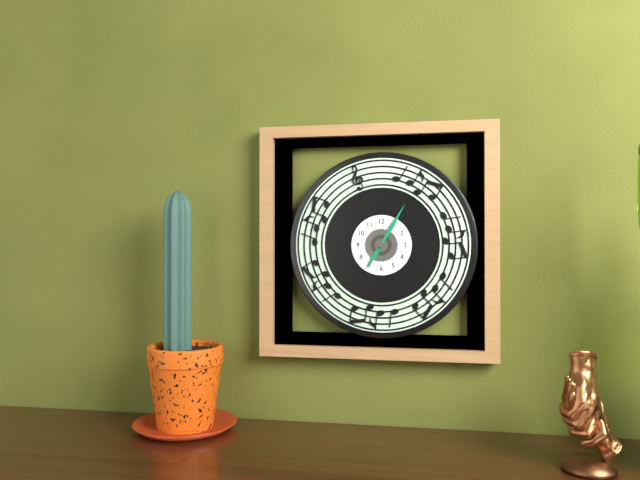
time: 7:05
